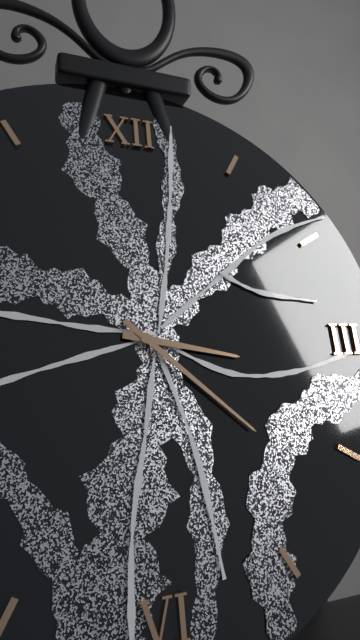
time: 3:22
